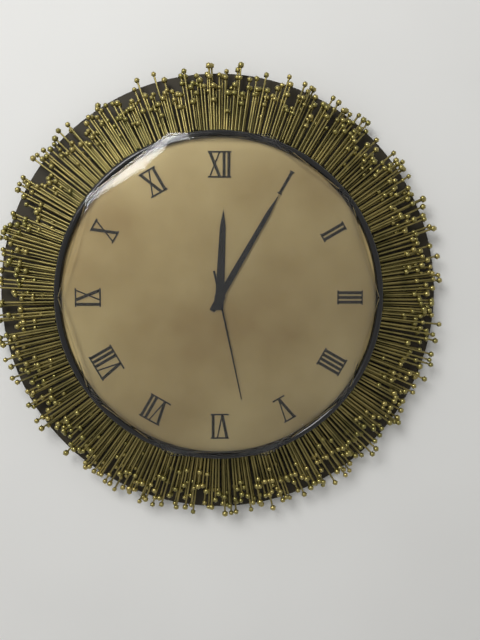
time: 12:05:28
